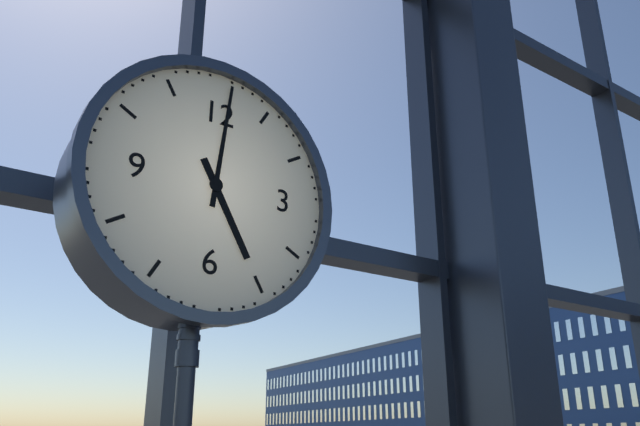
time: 5:01
